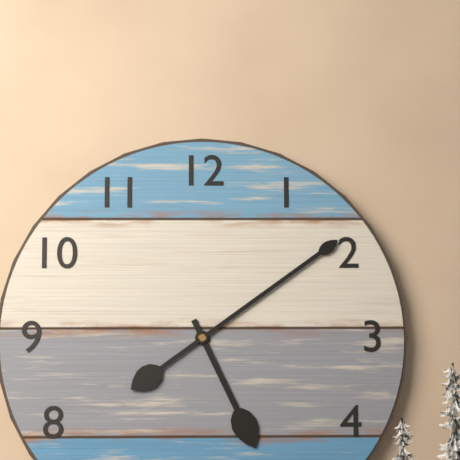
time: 5:09
